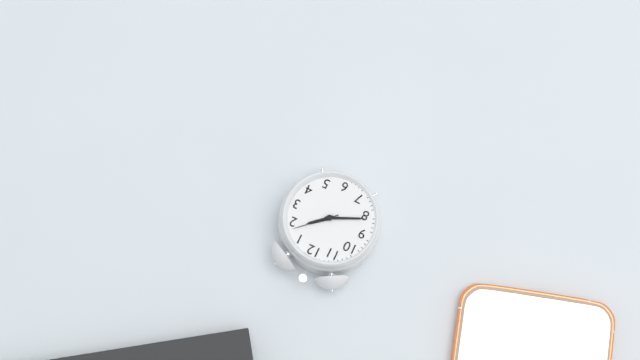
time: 1:41
